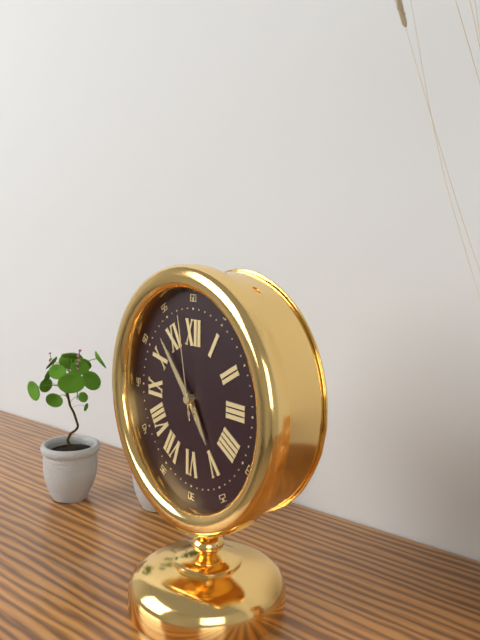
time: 4:53:58
